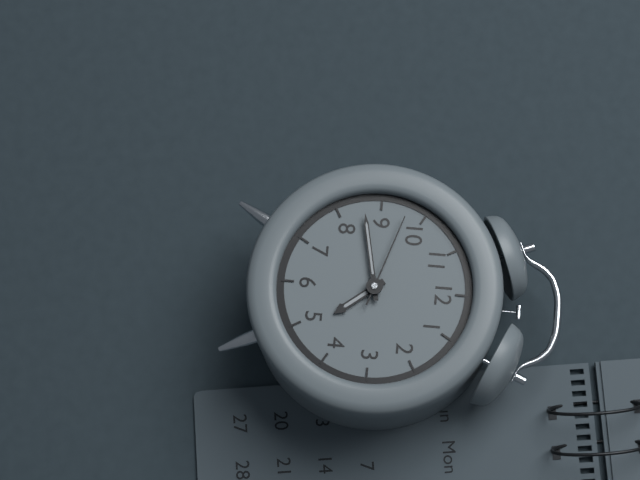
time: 4:43:48
